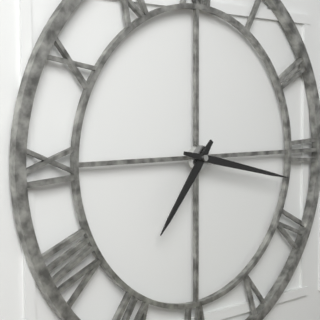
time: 7:17
